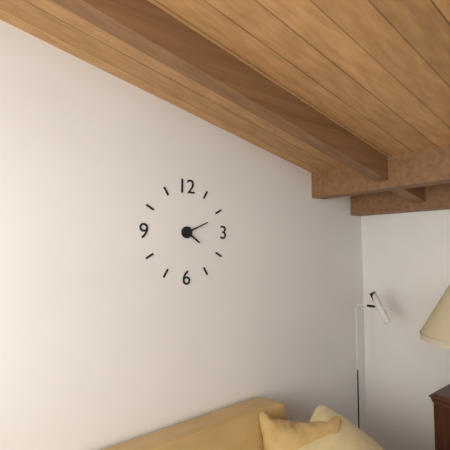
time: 4:11
